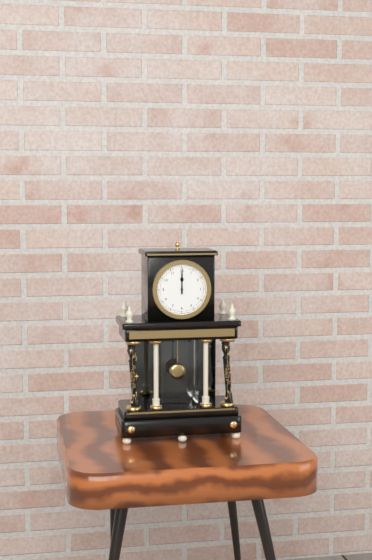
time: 12:00
